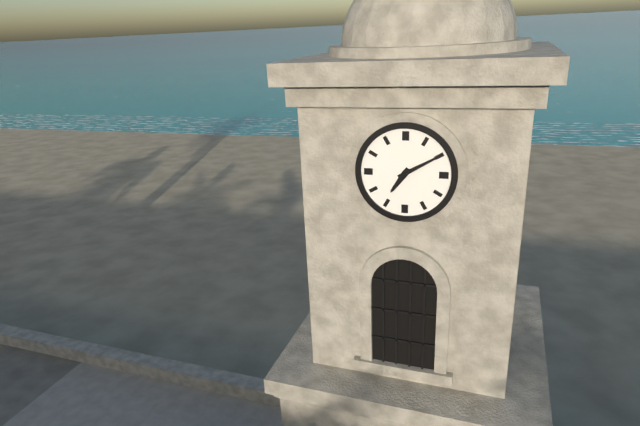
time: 7:10
